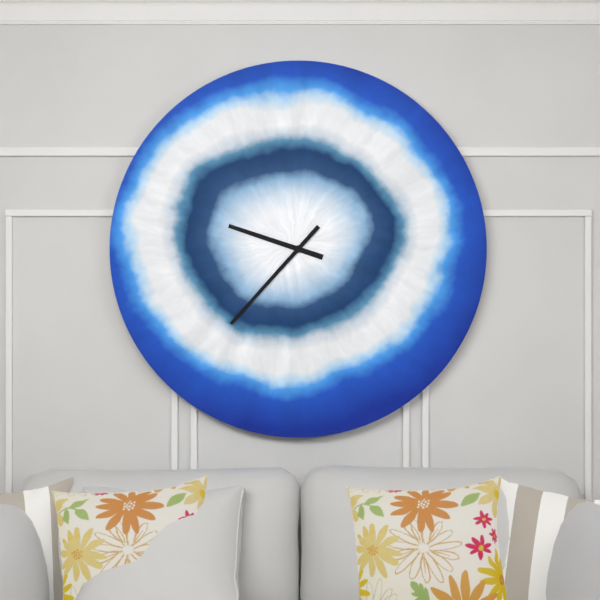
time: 9:37
